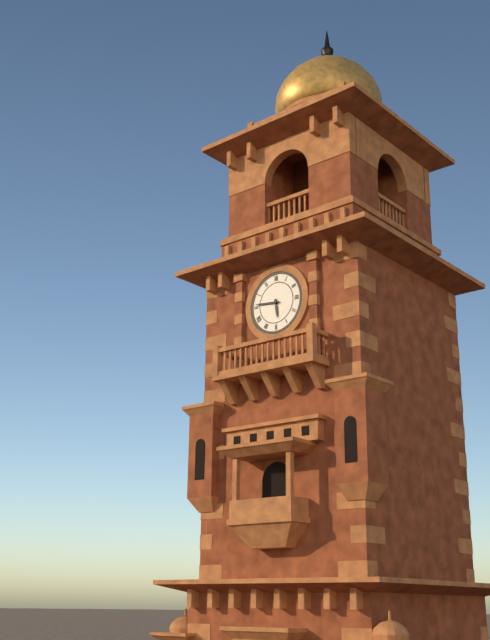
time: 5:46
